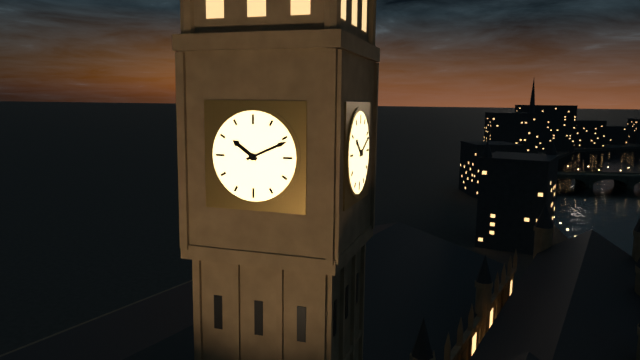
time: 10:11
